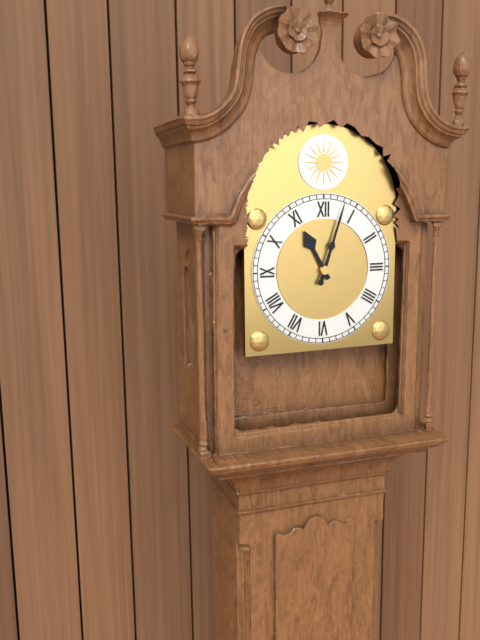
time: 11:03
